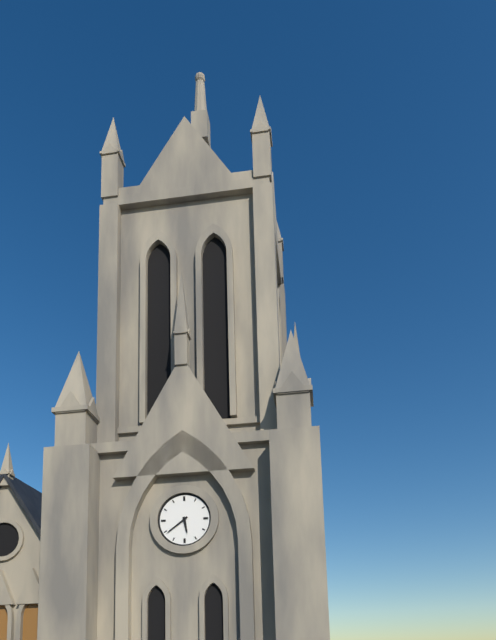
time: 5:39
